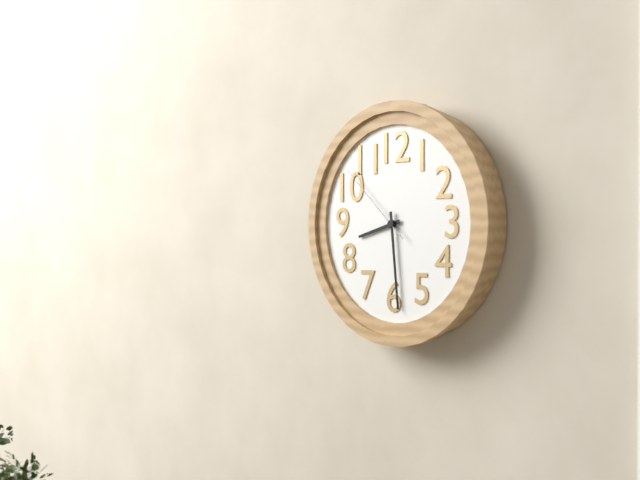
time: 8:29:52
